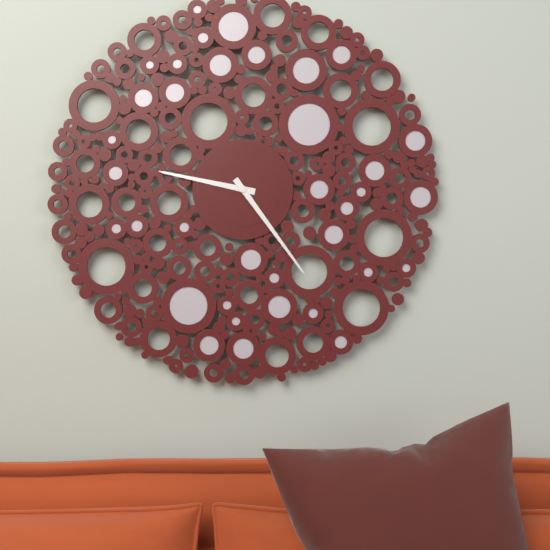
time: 9:24
